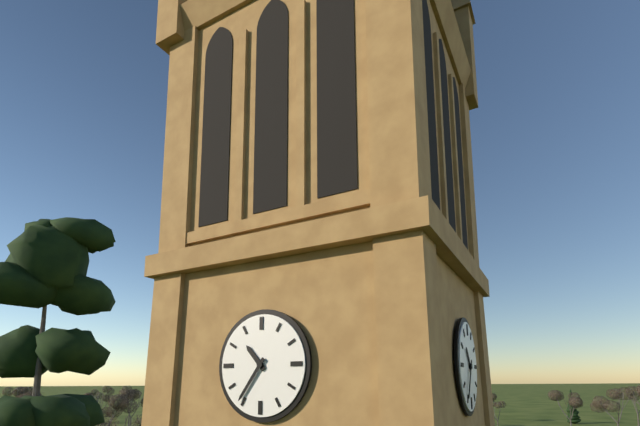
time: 10:36
